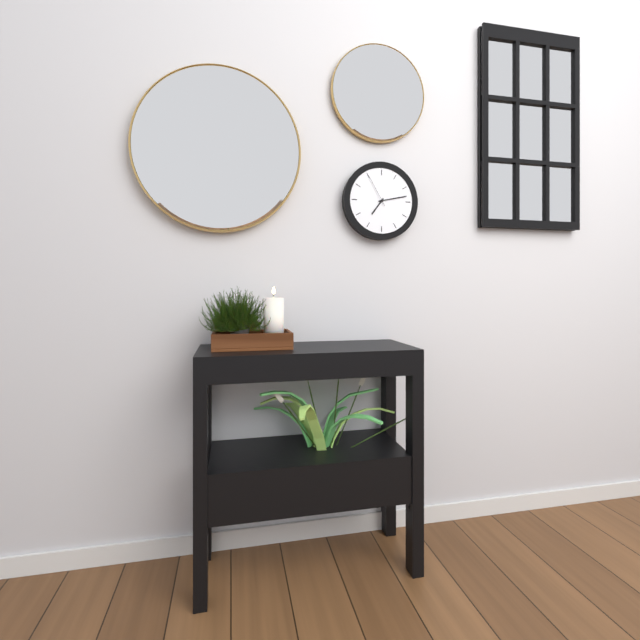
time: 7:13
